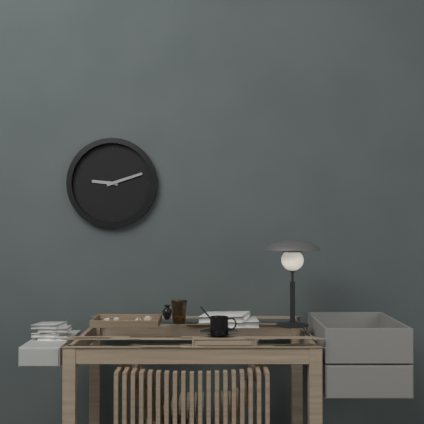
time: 9:12
